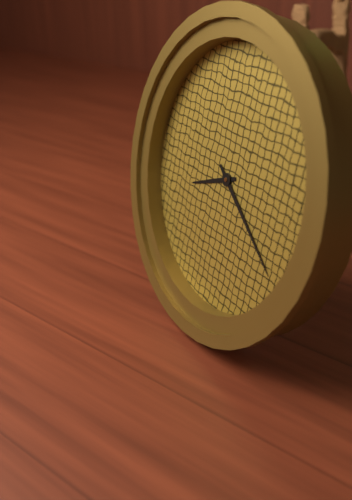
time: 8:21
